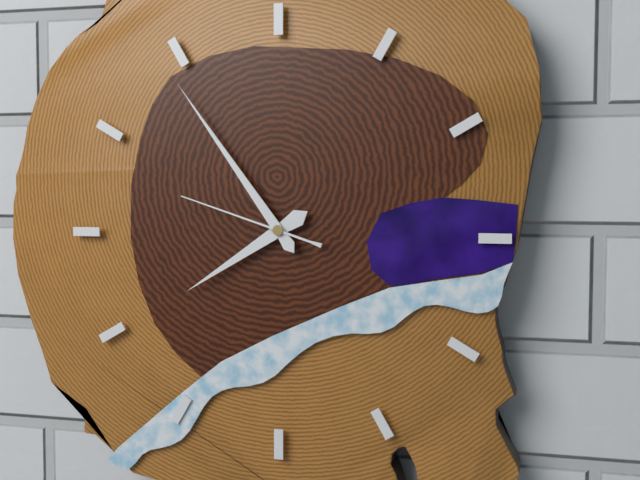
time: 7:54:48
